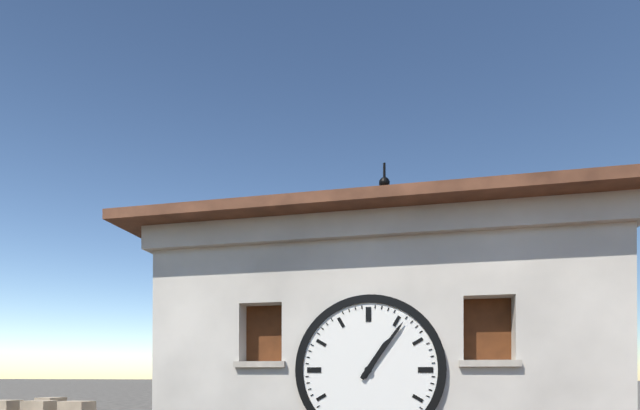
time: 1:06
